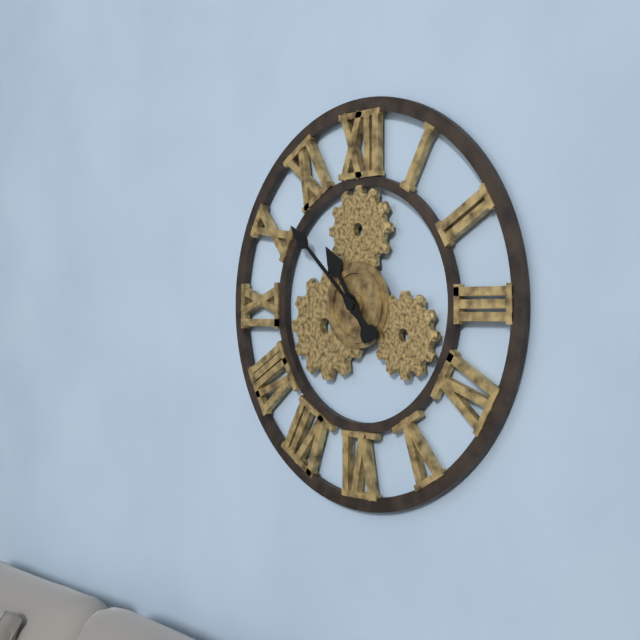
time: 10:52
